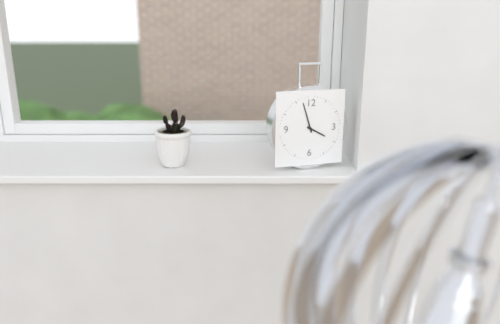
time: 3:57
